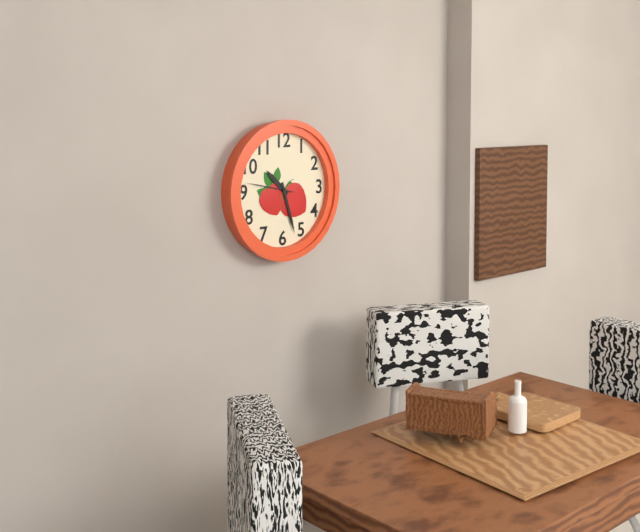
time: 10:27
